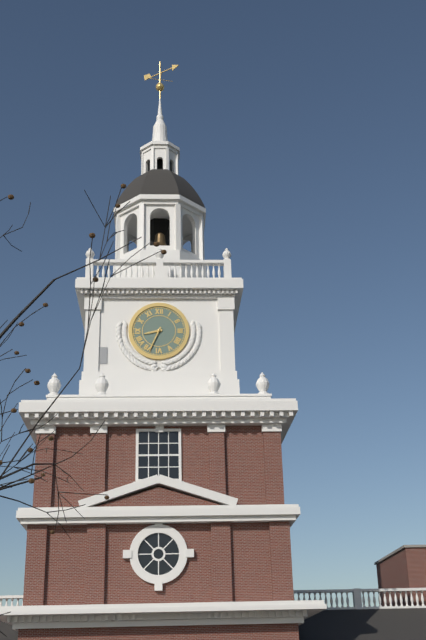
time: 8:34
